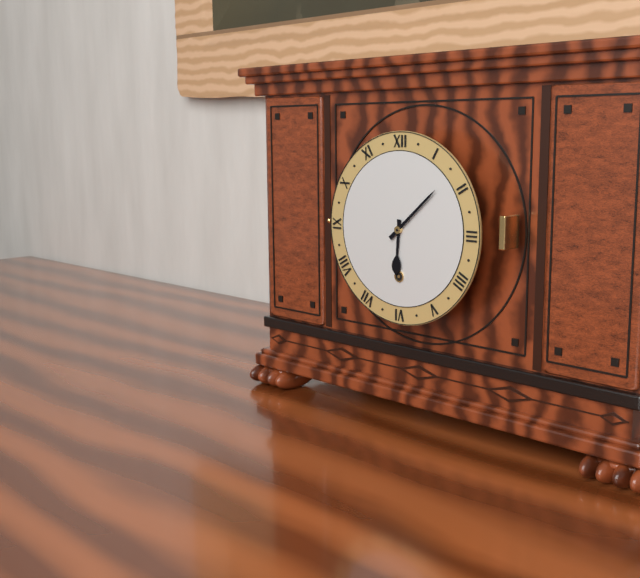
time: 6:08
